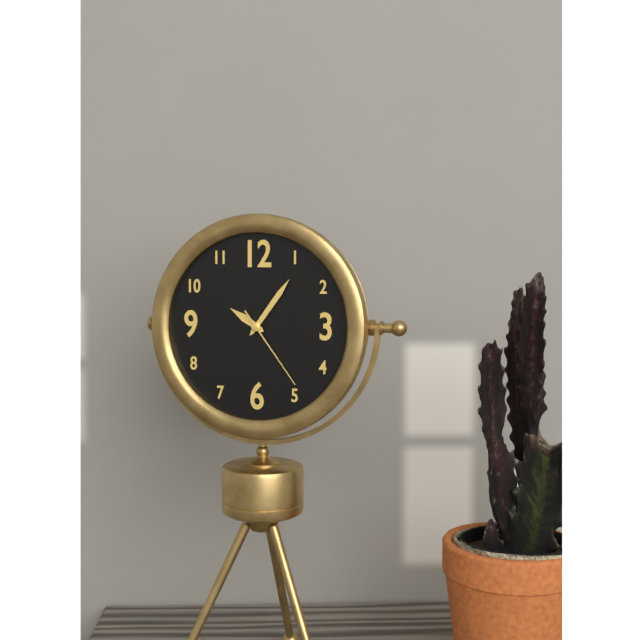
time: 10:06:24
